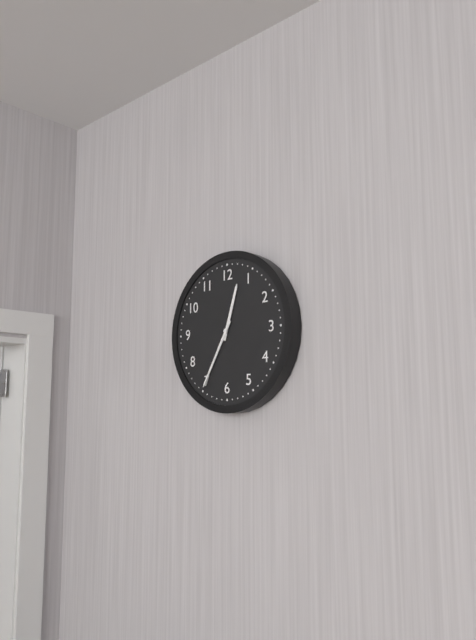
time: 12:35
